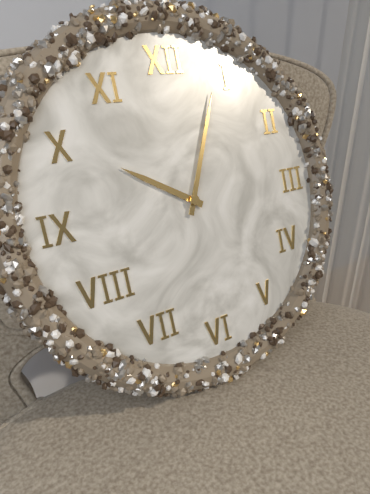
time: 10:04
